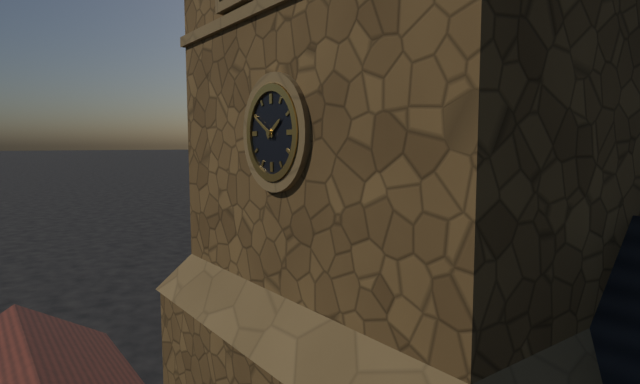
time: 1:50
